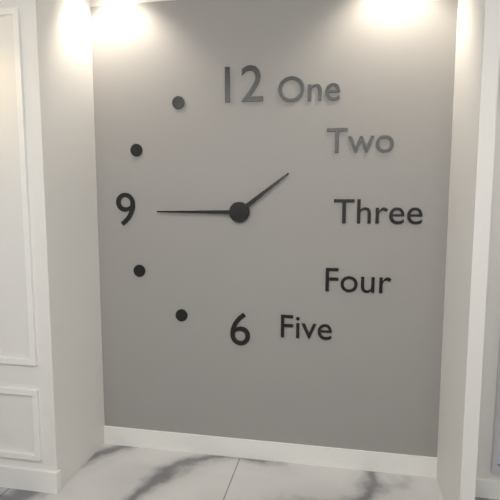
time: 1:45
